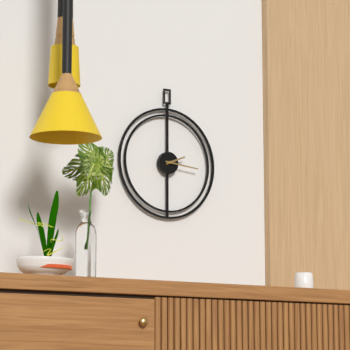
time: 2:16
